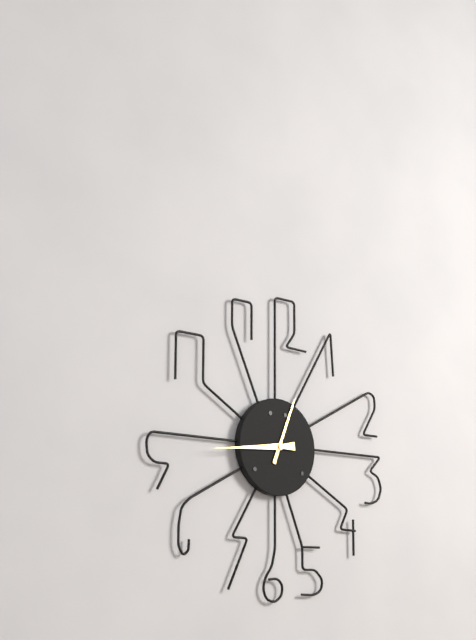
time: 12:44
